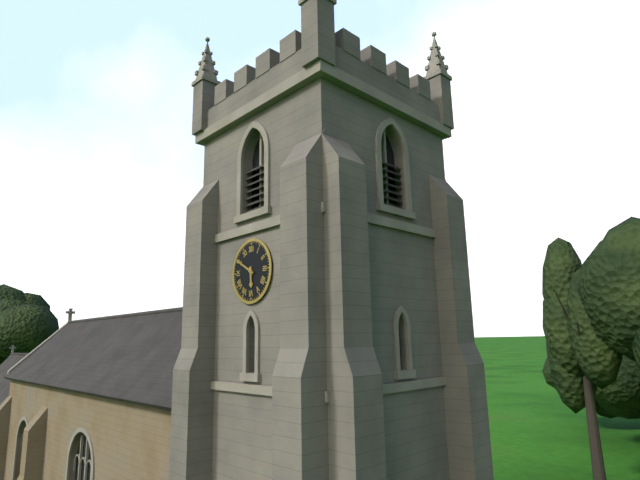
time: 5:50
